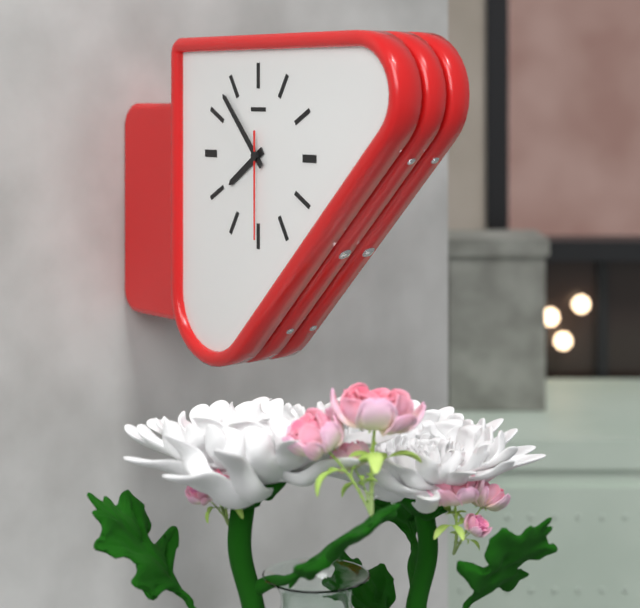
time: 7:53:30
